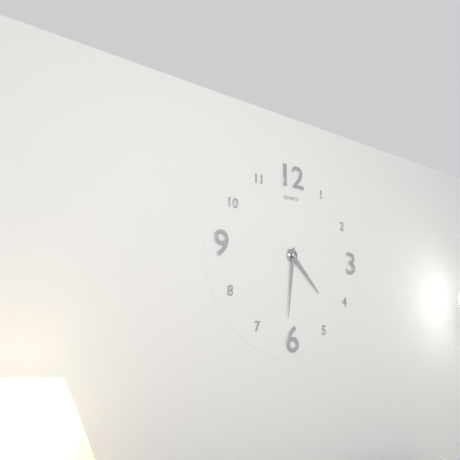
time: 4:31
